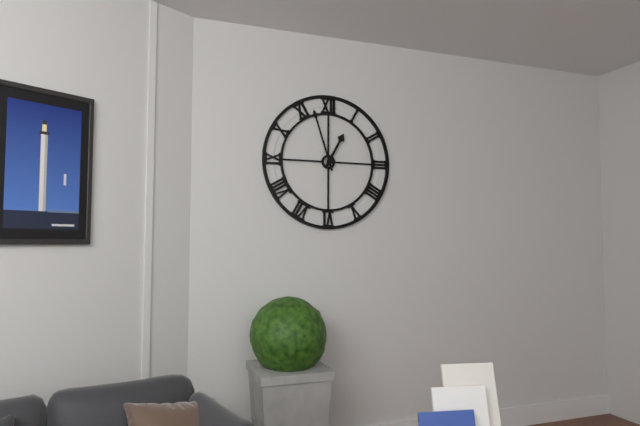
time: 12:57
